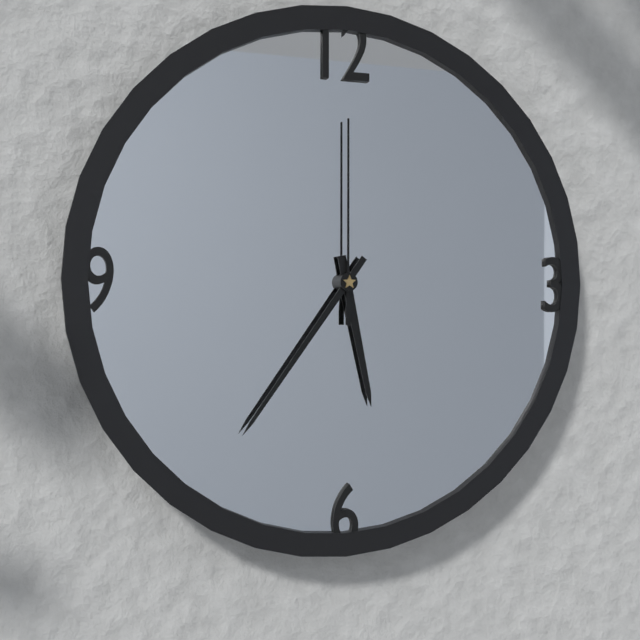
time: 5:36:00
